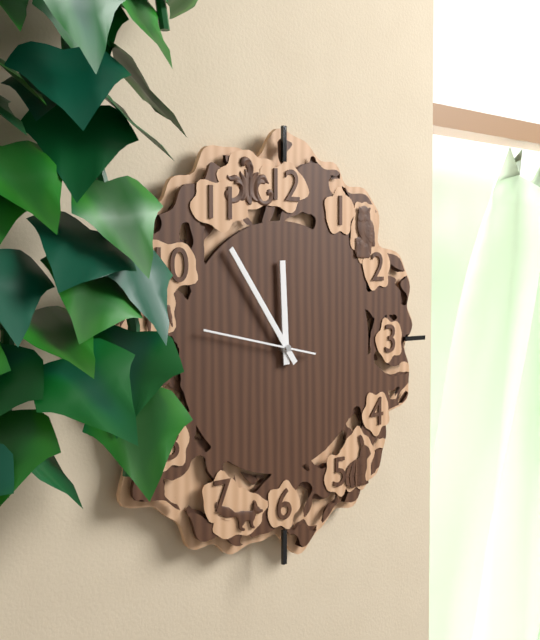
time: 11:54:47
